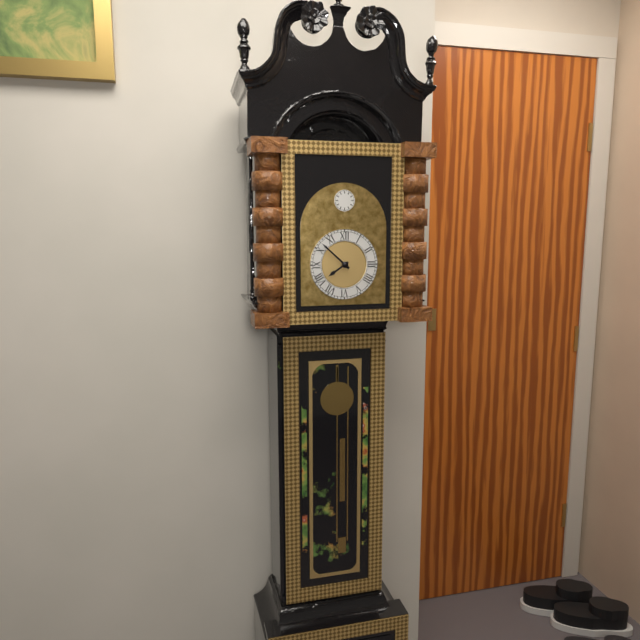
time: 7:52
